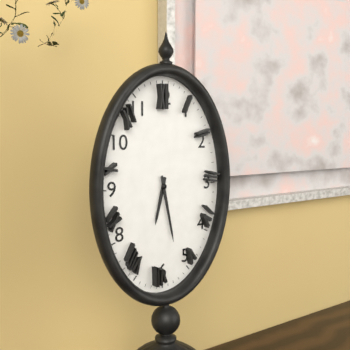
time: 6:28
